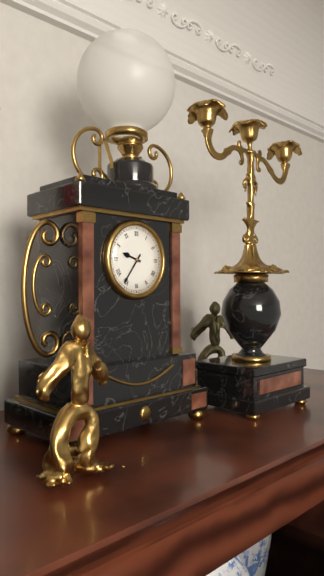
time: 9:36
